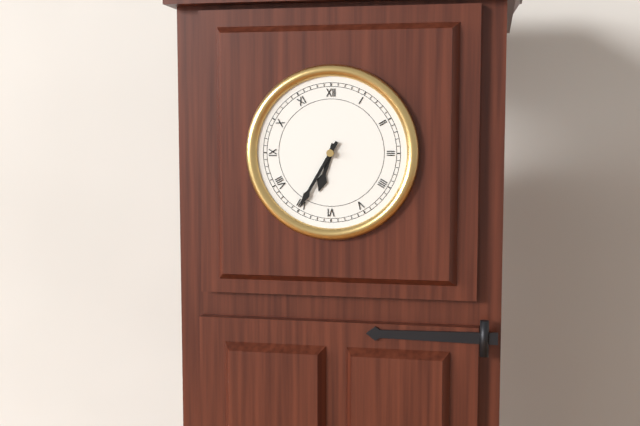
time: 6:35
